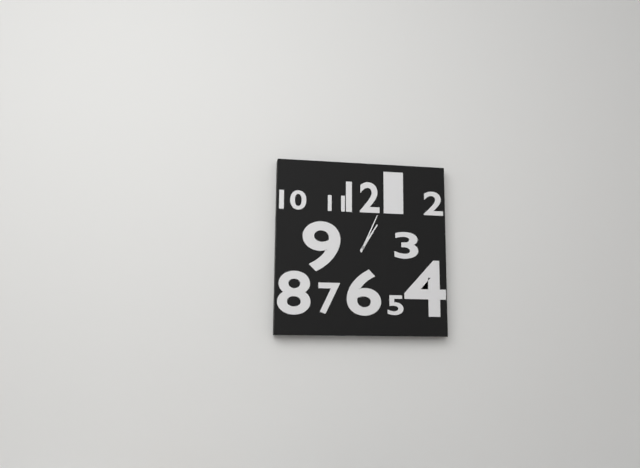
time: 1:04
